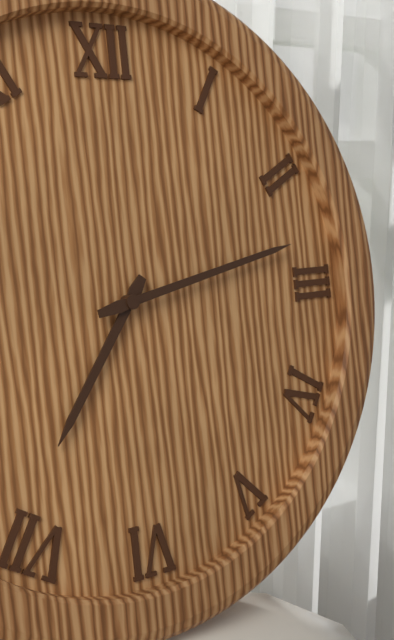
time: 7:13
